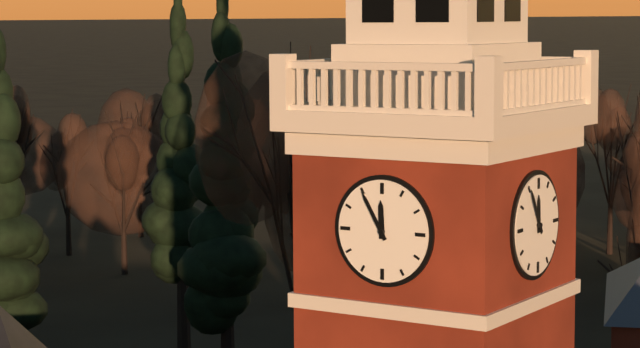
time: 11:55
